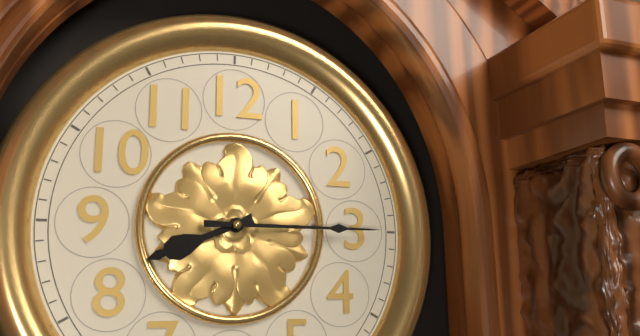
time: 8:15
